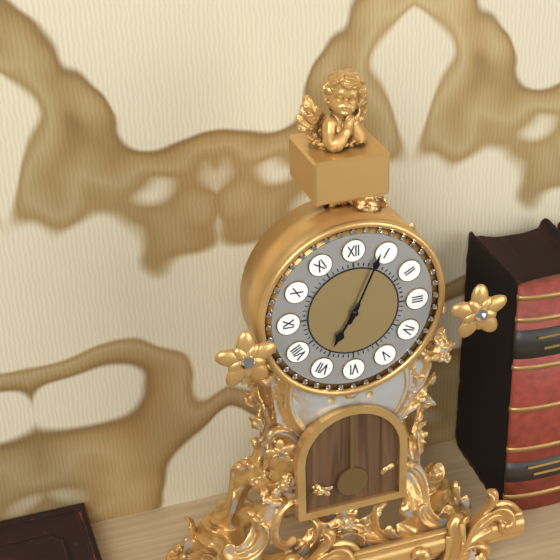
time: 7:04
